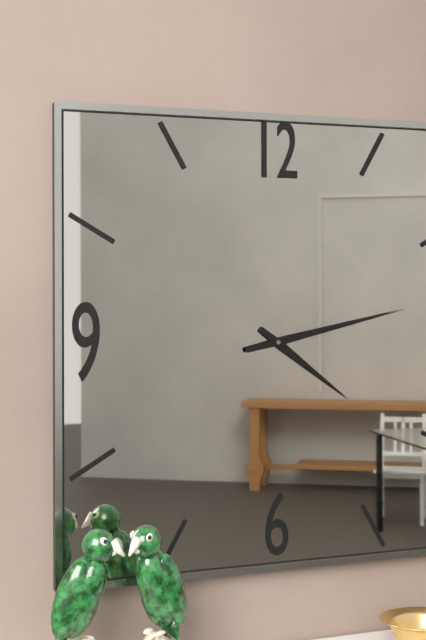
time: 4:13
